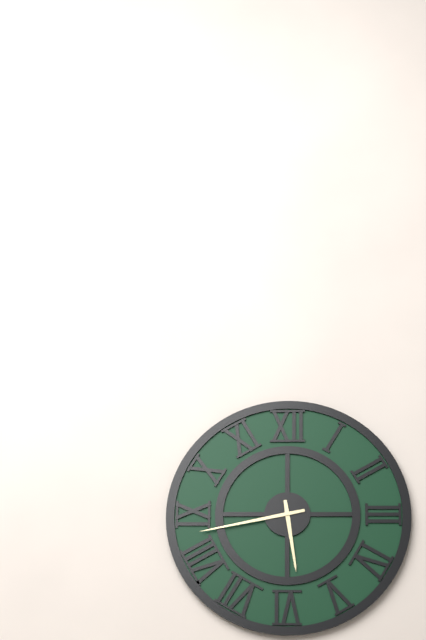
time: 5:43
